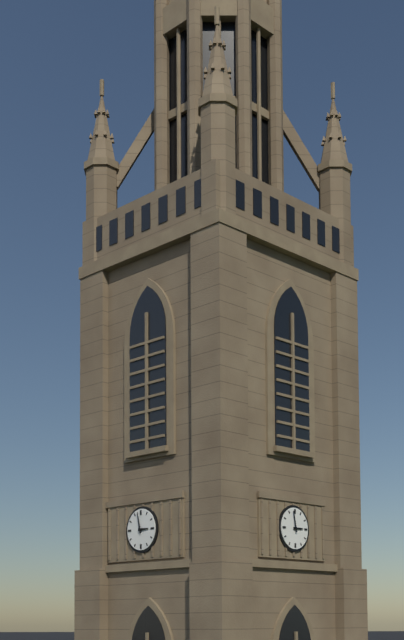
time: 2:58
